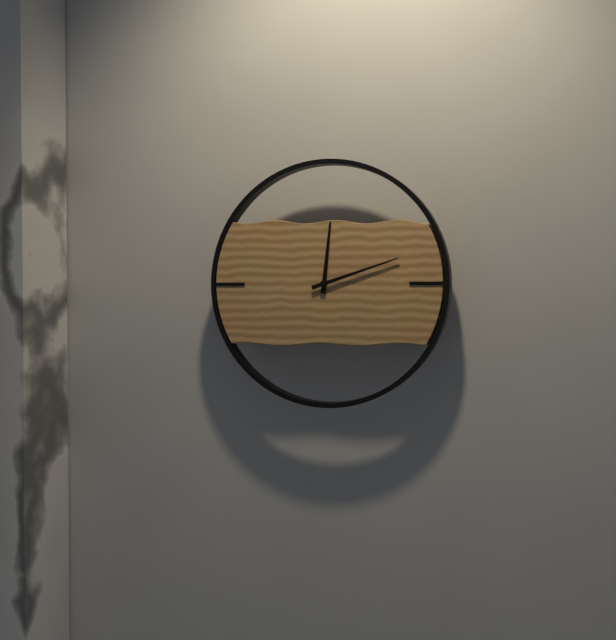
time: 12:12
